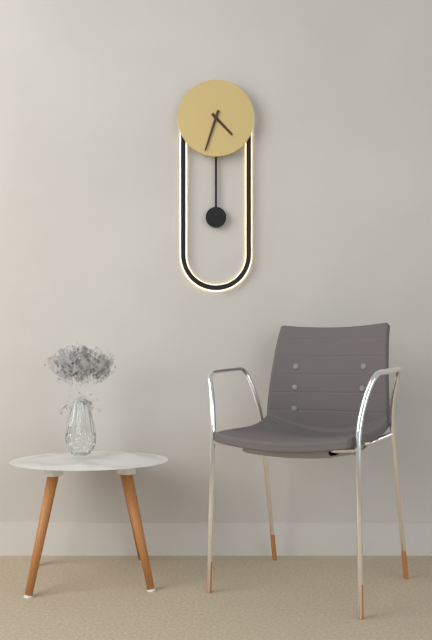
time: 4:33
